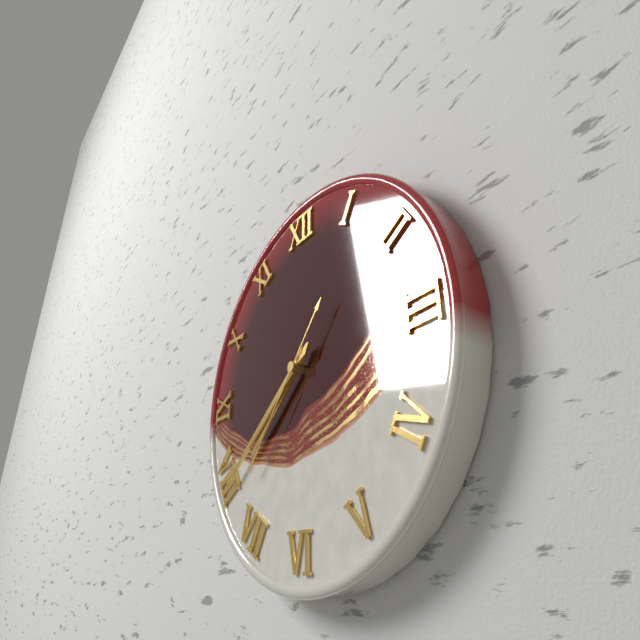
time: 7:39:37
